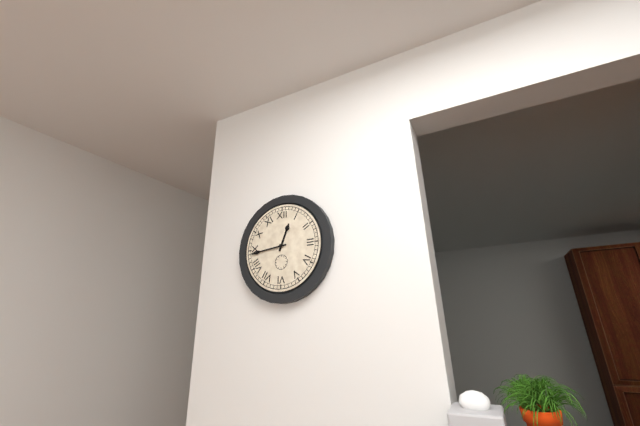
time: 12:44
